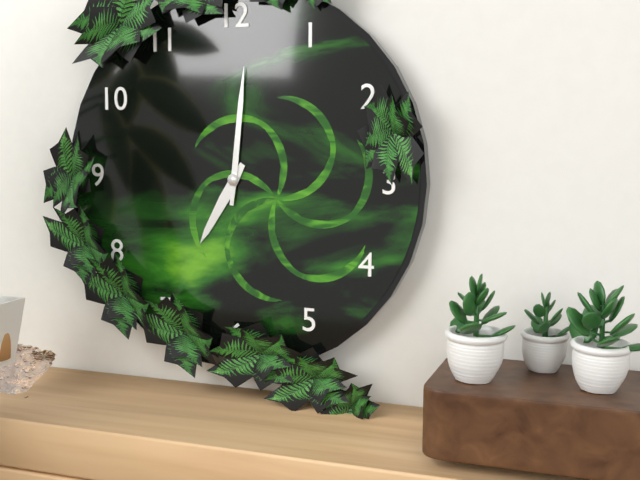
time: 7:01
